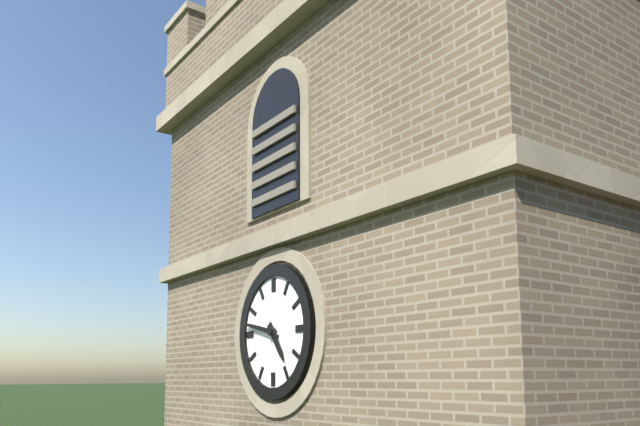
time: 4:47
